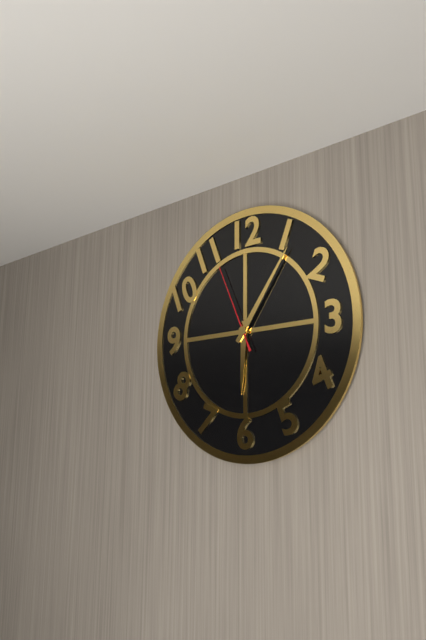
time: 6:06:56
